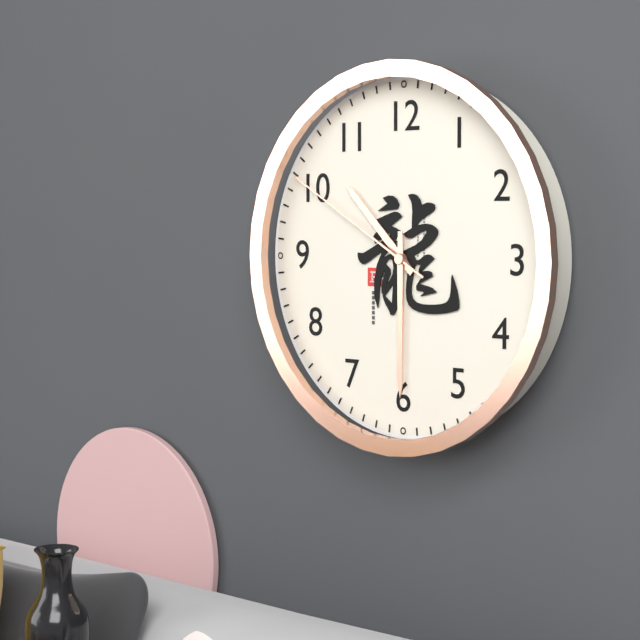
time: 10:30:50
